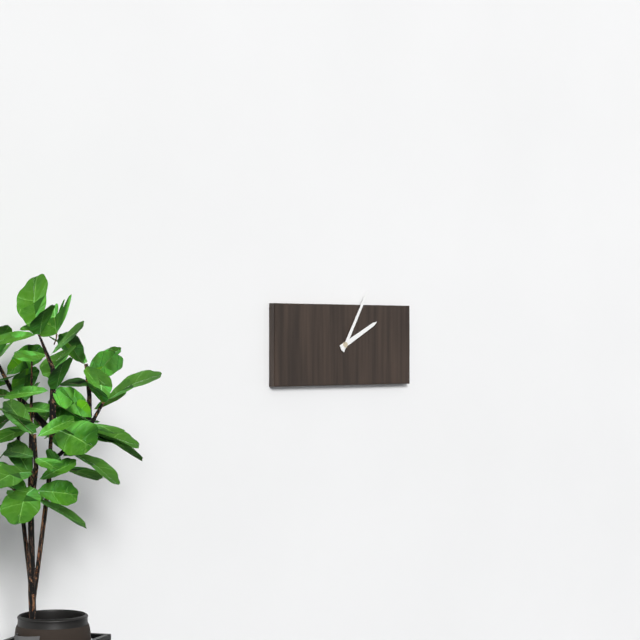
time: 2:05
